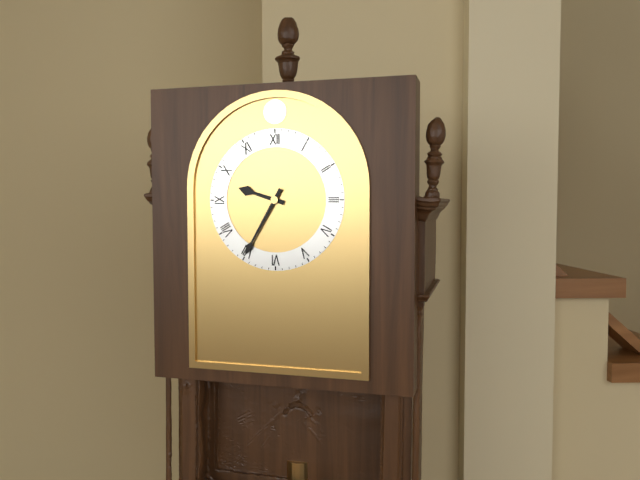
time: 9:35
